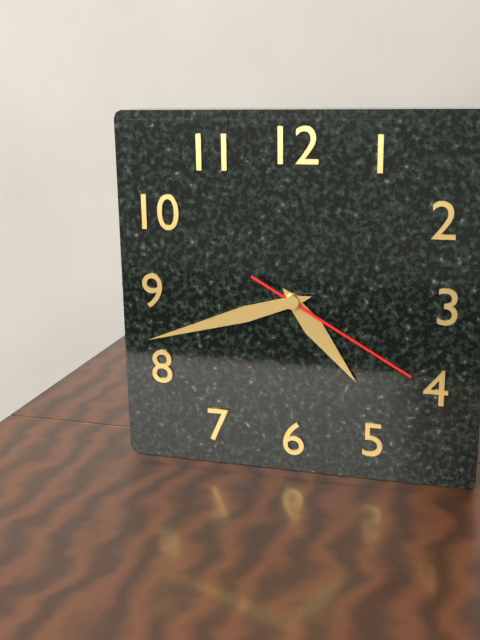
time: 4:42:20
